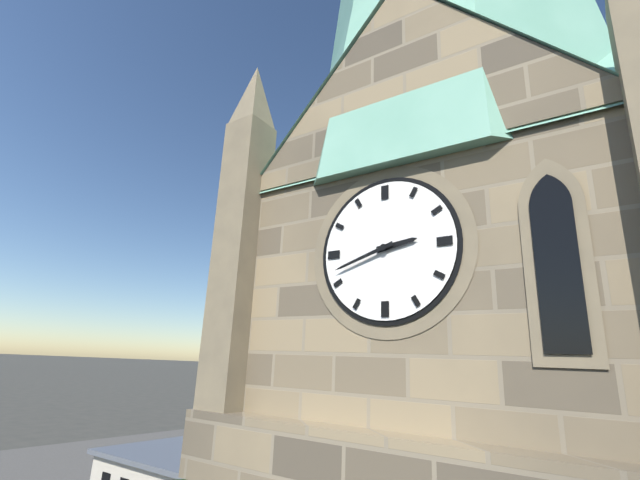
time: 2:42
